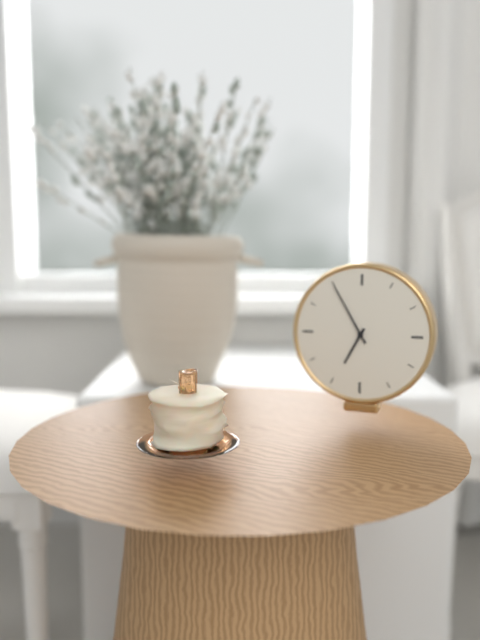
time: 6:55
